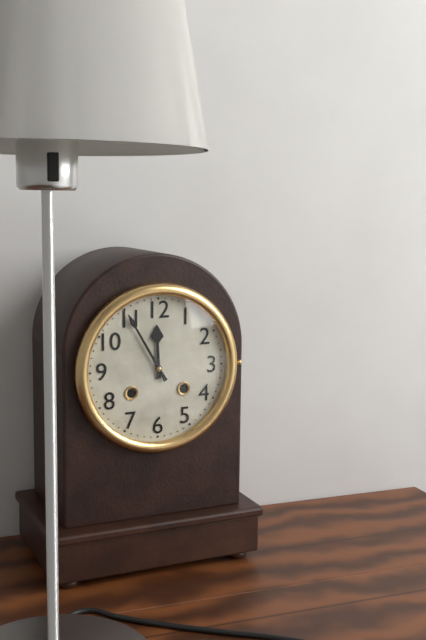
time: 11:55
